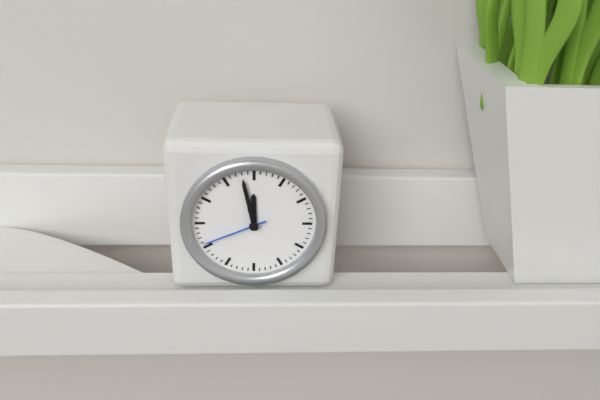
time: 11:58:41
